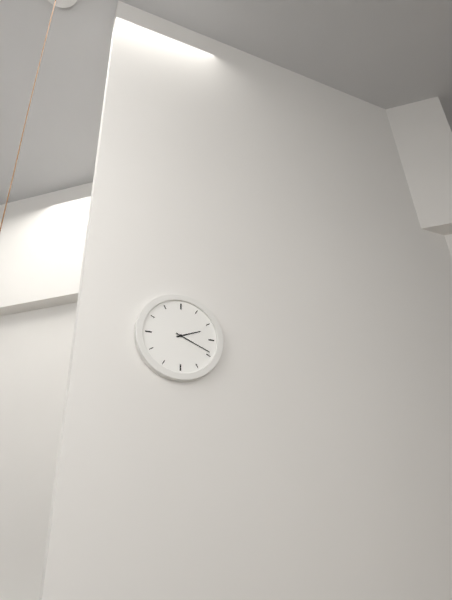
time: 2:19
